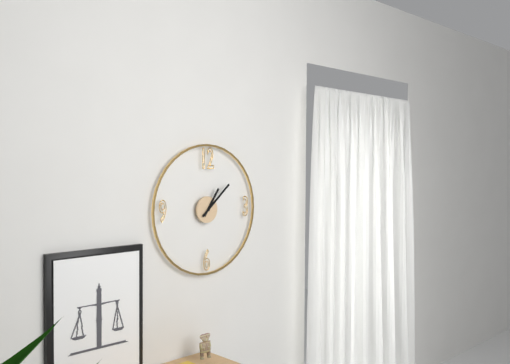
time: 1:08
